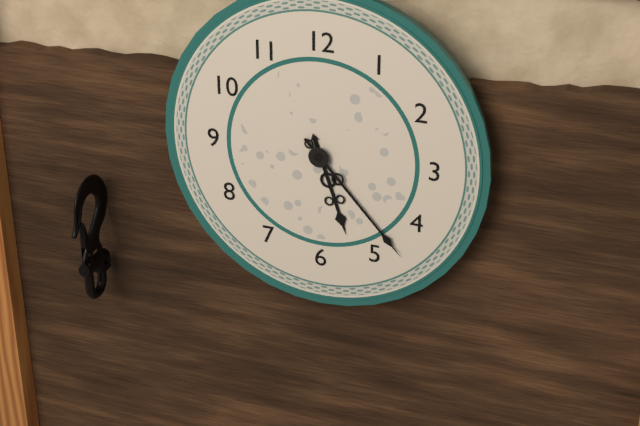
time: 5:23
